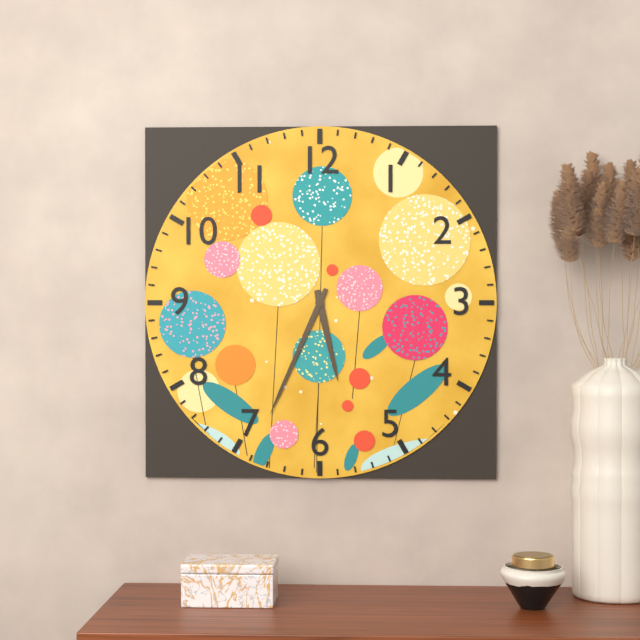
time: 5:34
